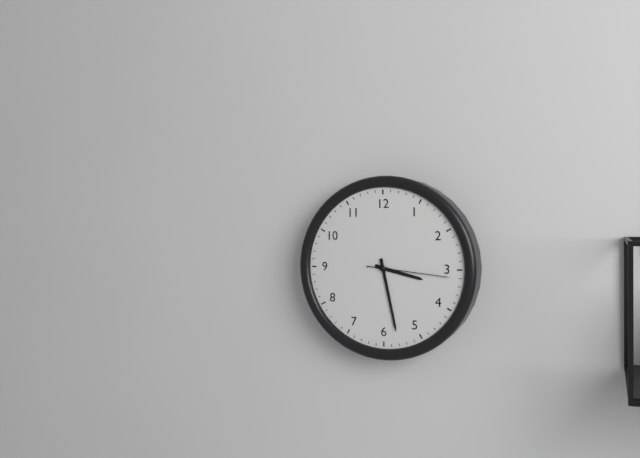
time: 3:28:16
